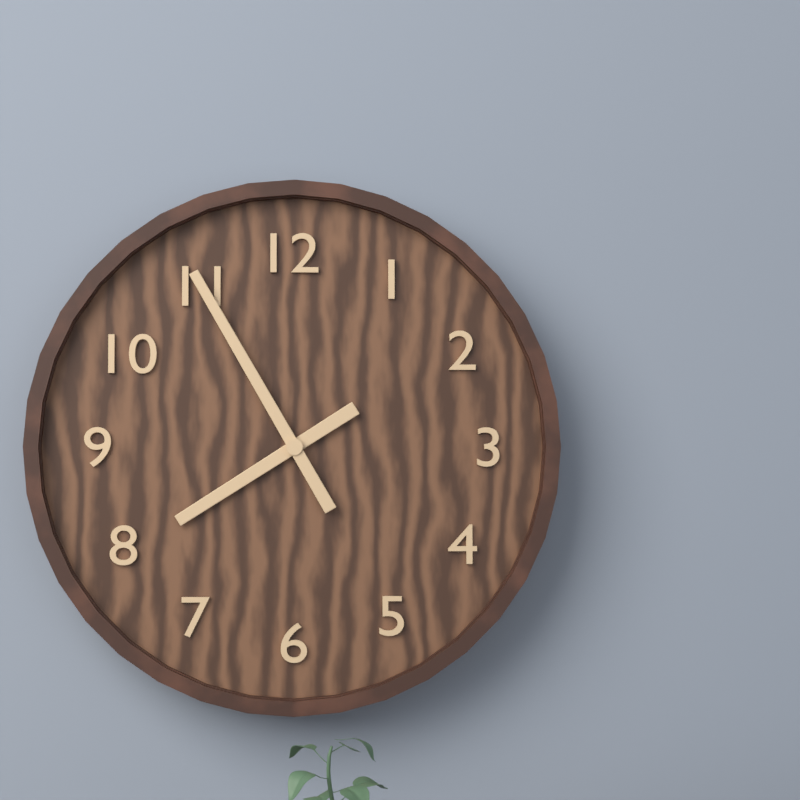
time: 7:55
